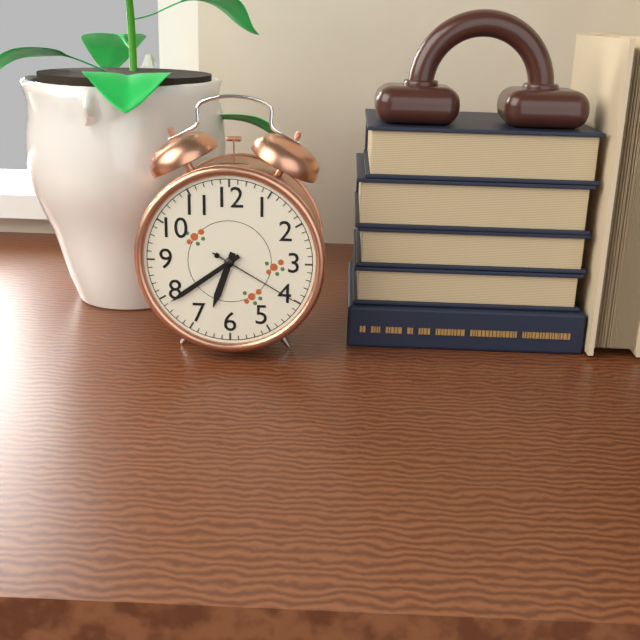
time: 6:39:20
